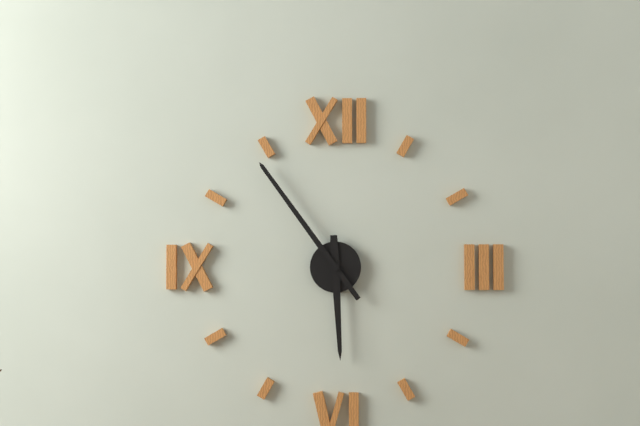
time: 5:54
